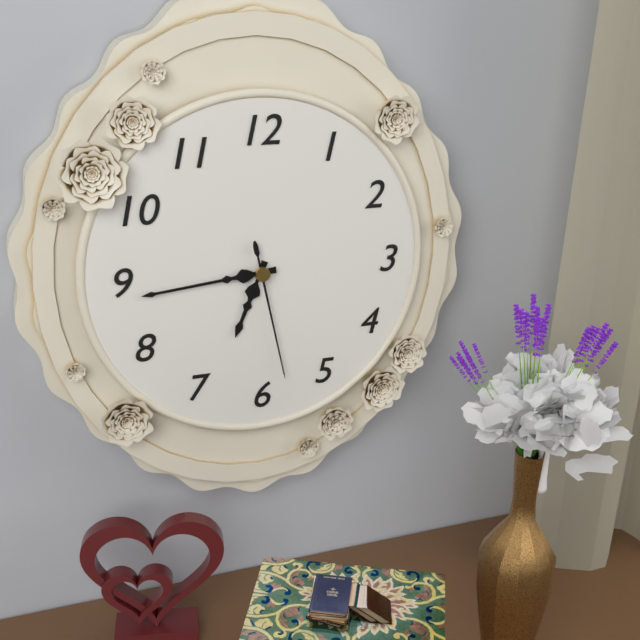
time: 6:44:28
